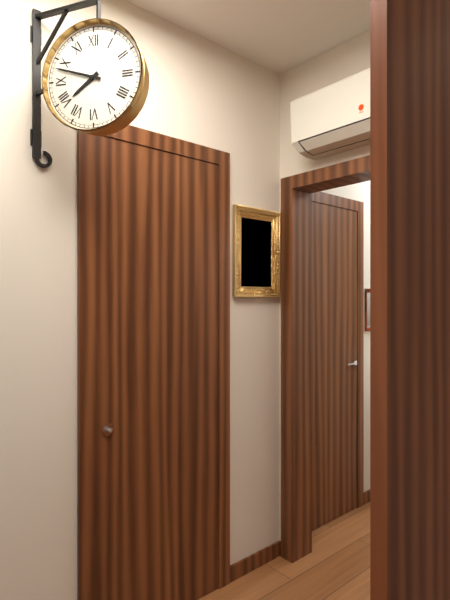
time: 7:48
